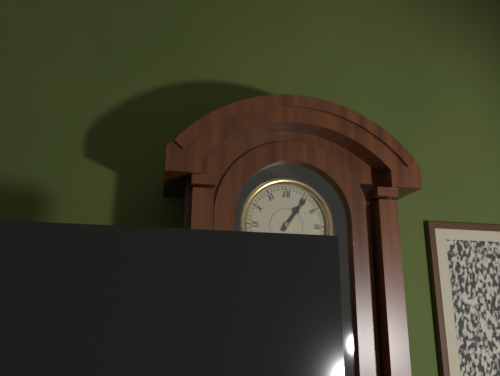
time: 1:06
